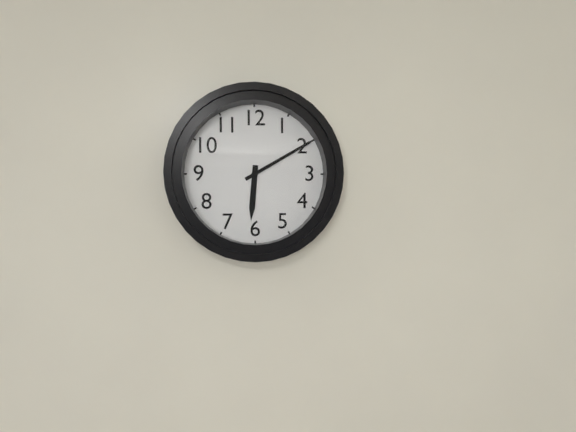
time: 6:10
